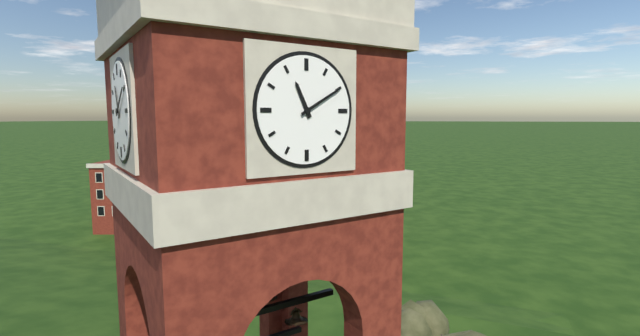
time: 11:10
